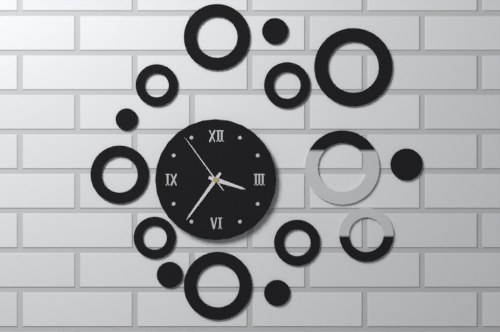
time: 3:36:54
